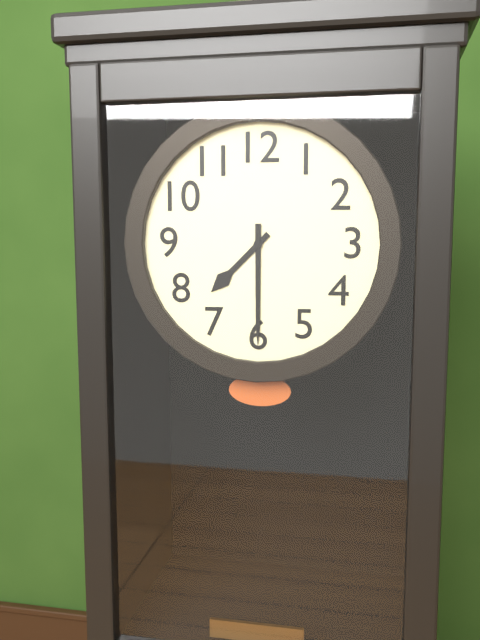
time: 7:30
